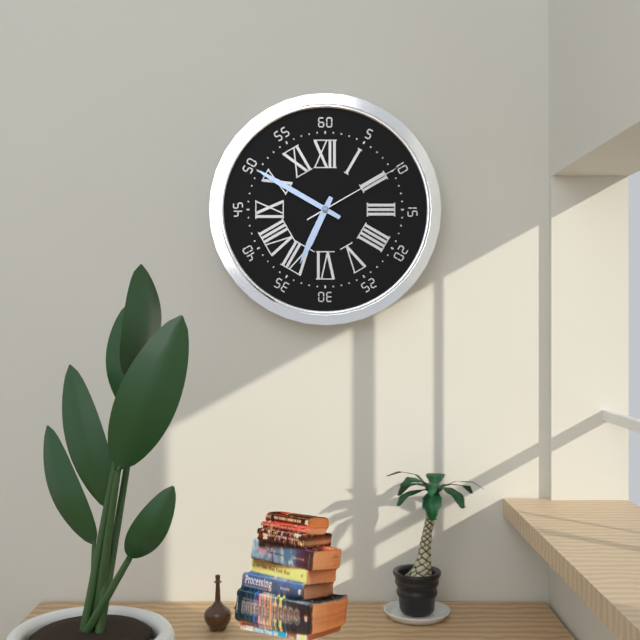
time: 6:50:10
